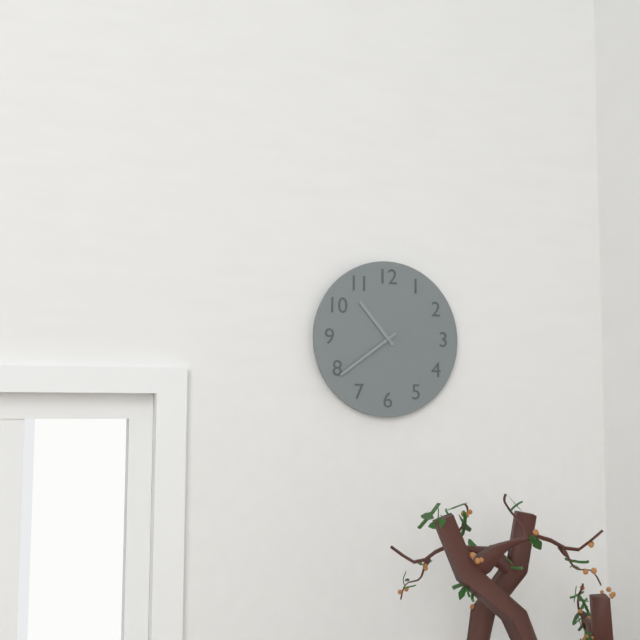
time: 10:39
